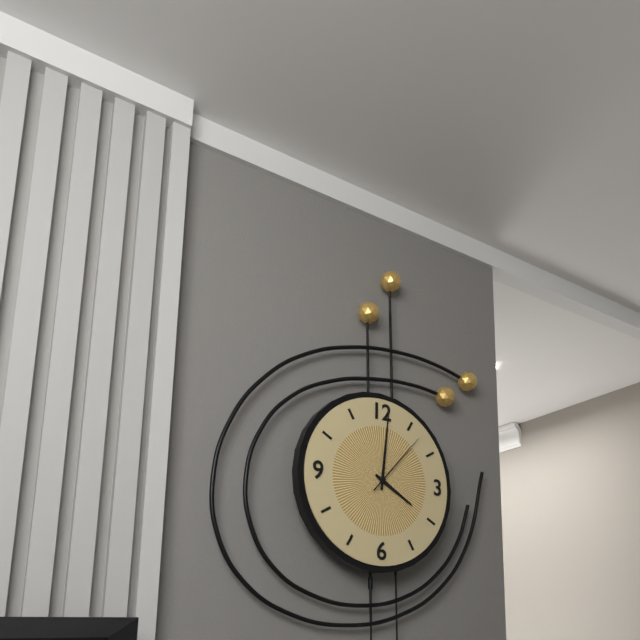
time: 4:01:07
